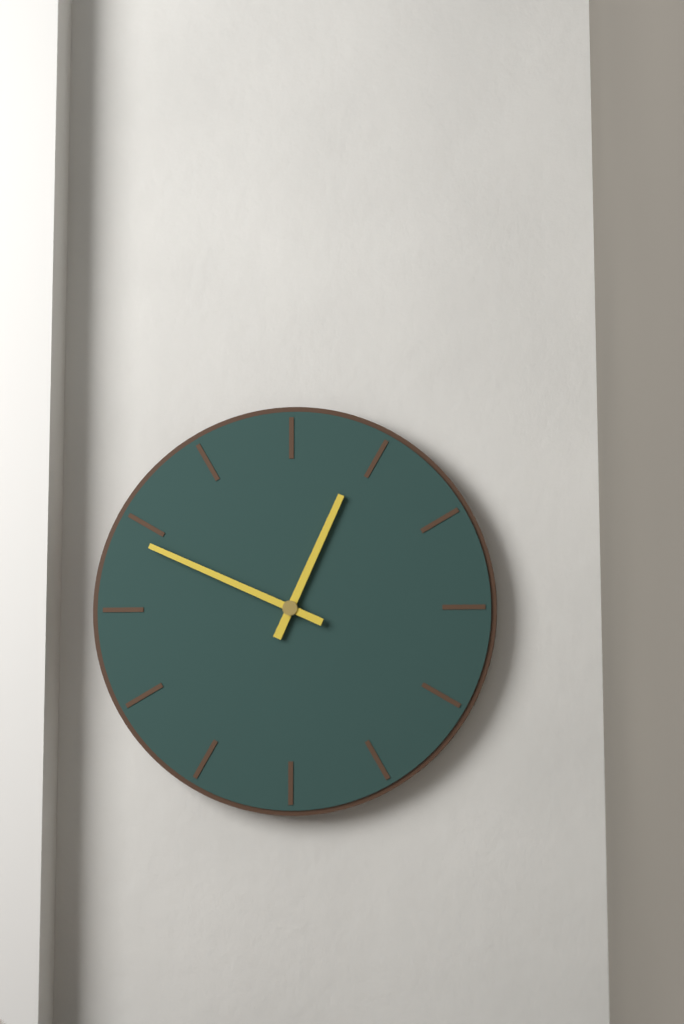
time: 12:49
